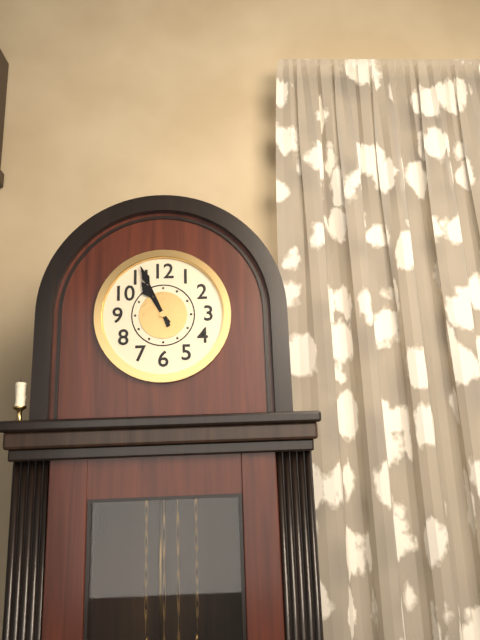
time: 10:56
